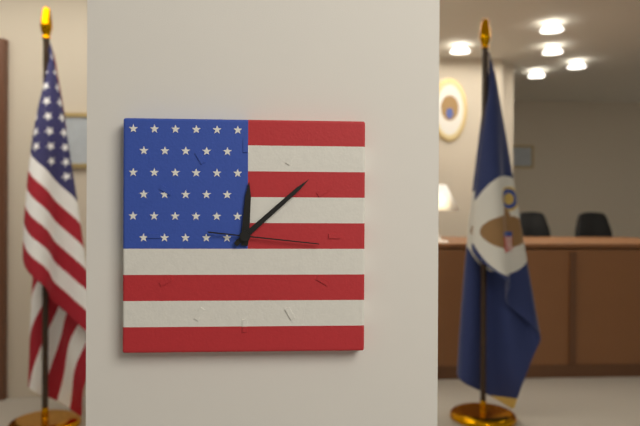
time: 12:08:16
